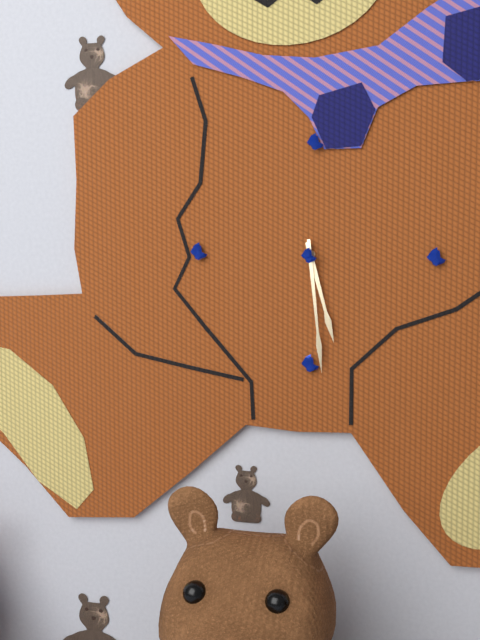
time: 5:29
